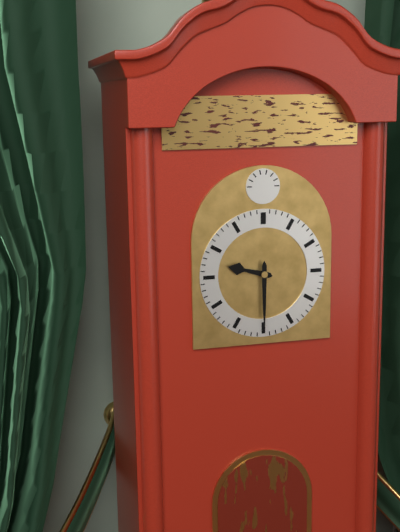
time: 9:30
